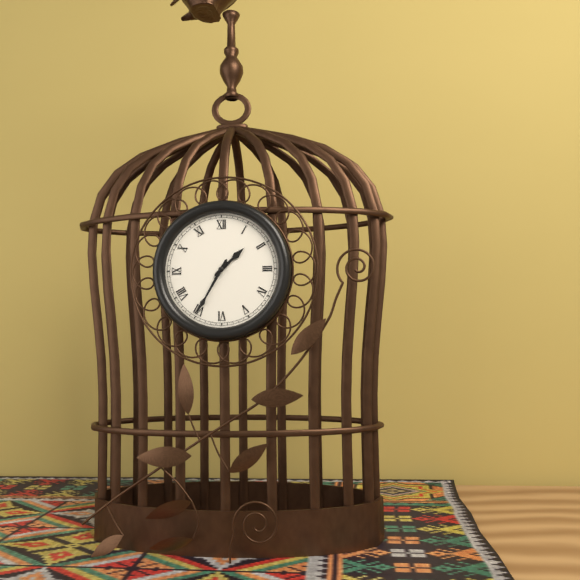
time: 1:35
